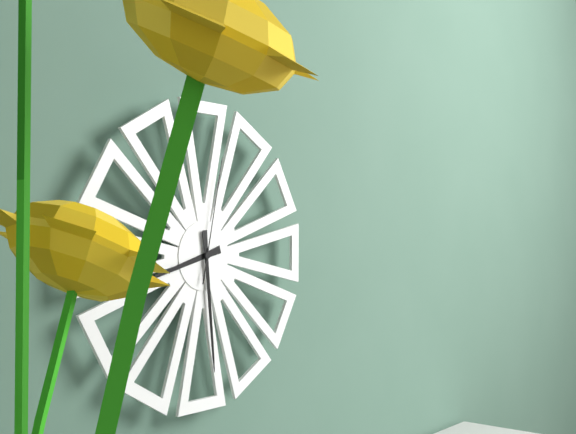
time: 8:29:02
